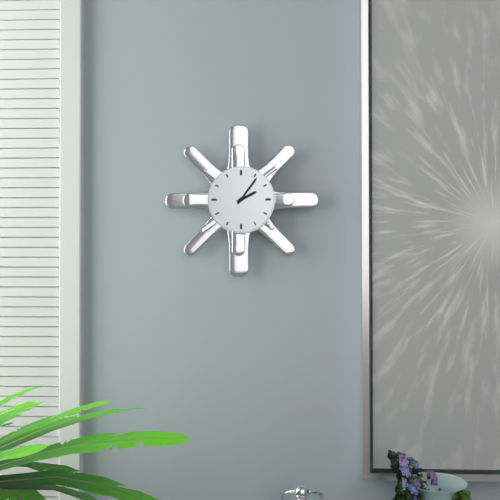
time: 2:06
